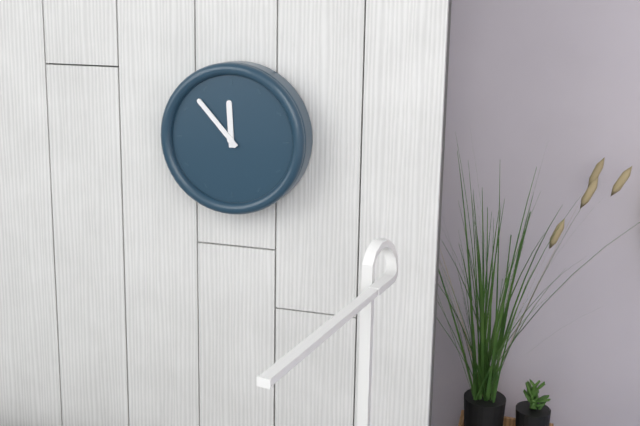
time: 11:53
